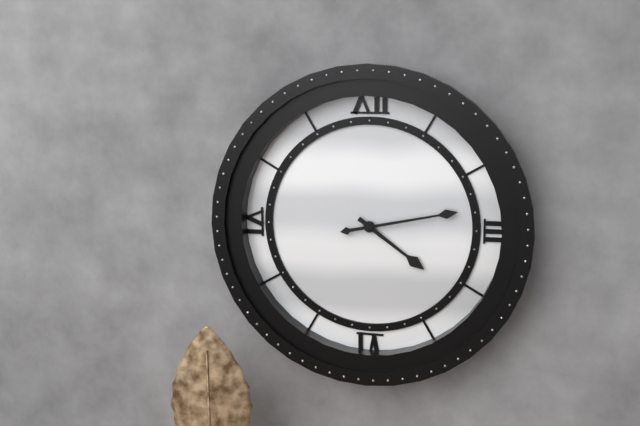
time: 4:13
